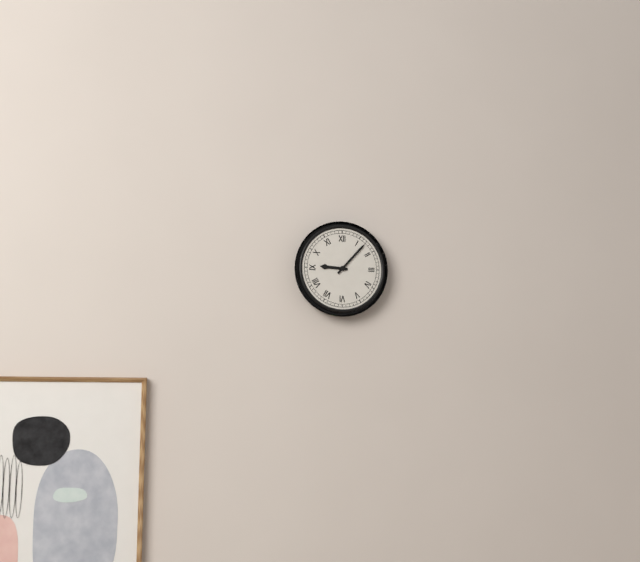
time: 9:07
